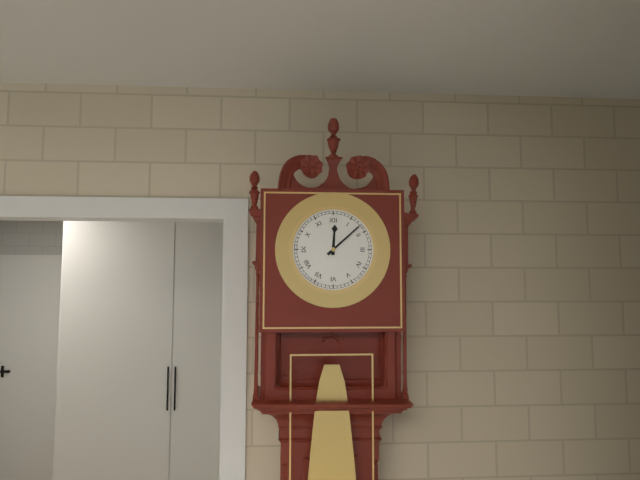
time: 12:08
